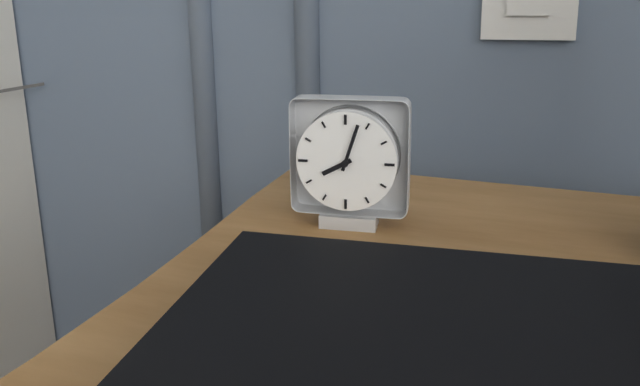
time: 8:03
